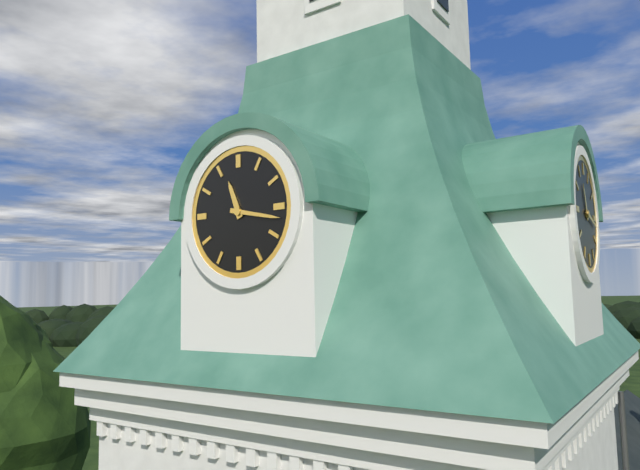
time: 11:17
